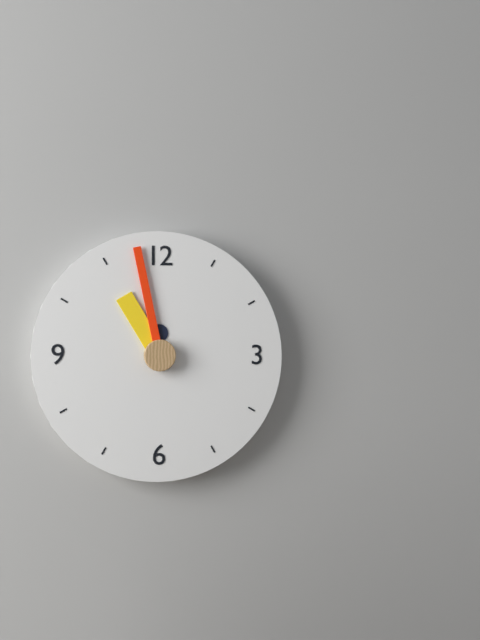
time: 10:58
